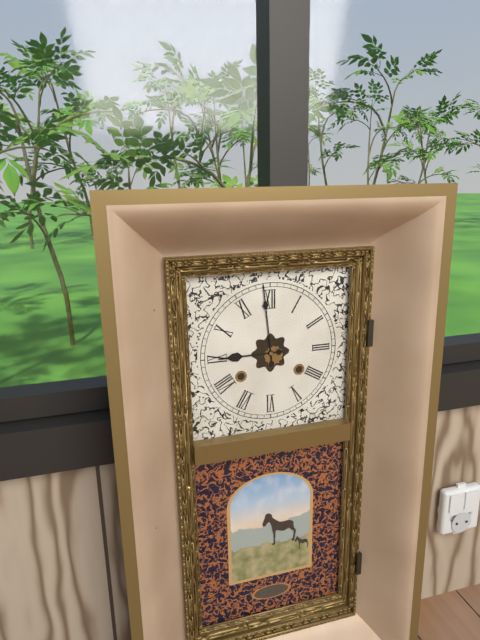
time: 8:59
